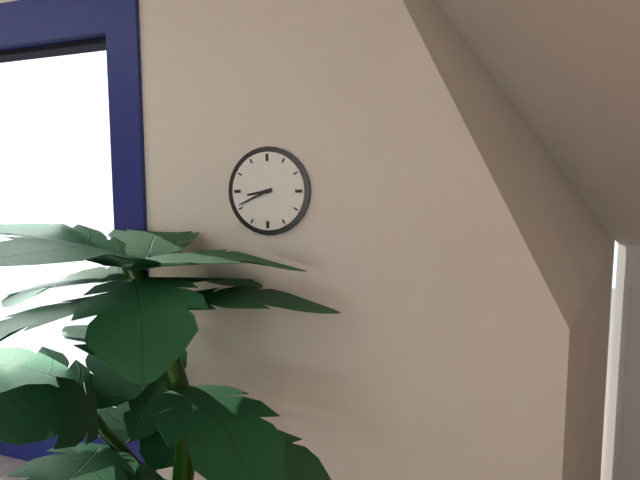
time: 8:41
